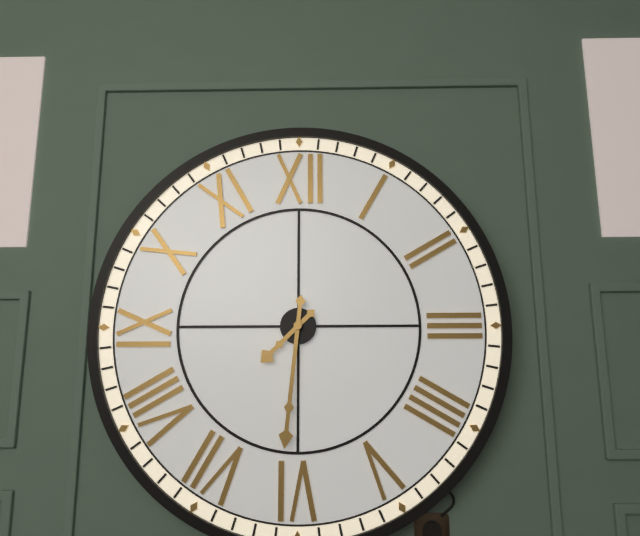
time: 7:31
